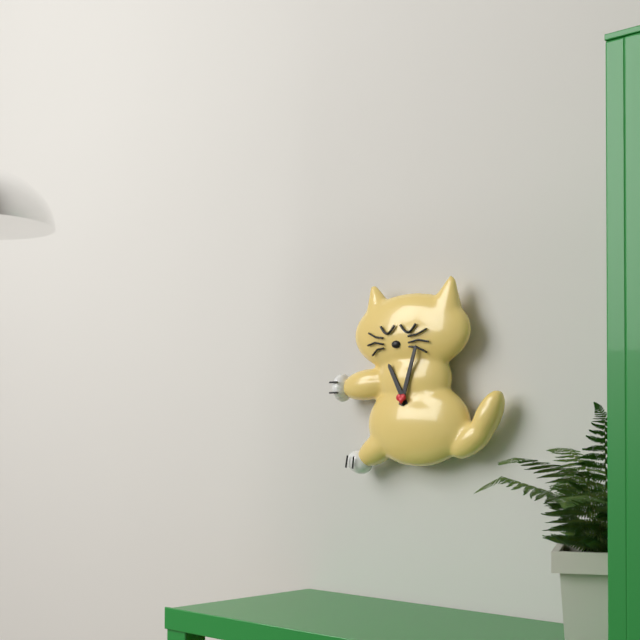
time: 11:03
